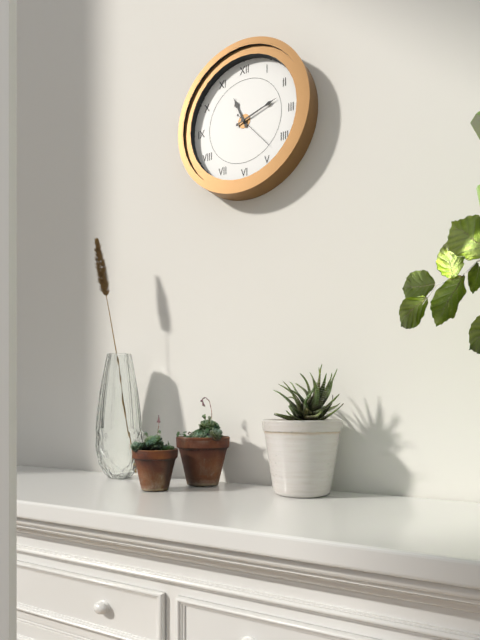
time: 11:12
